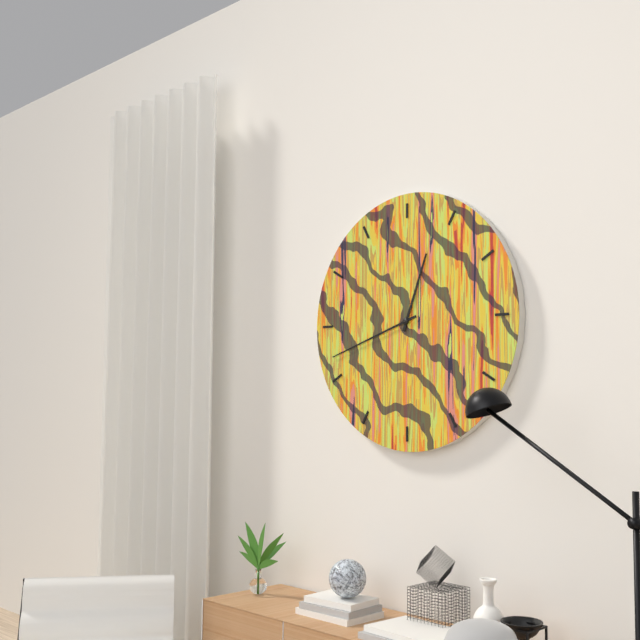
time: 12:42
